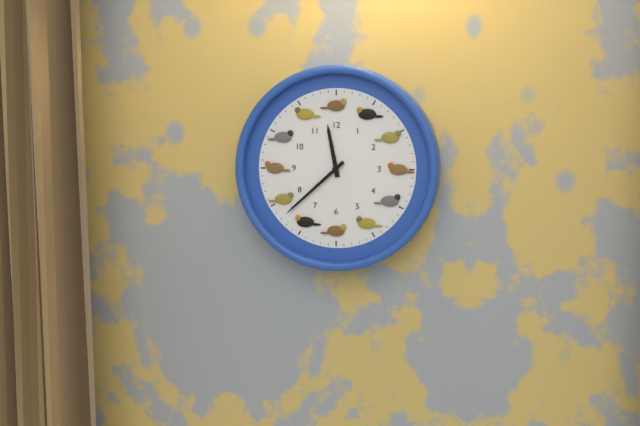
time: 11:38
